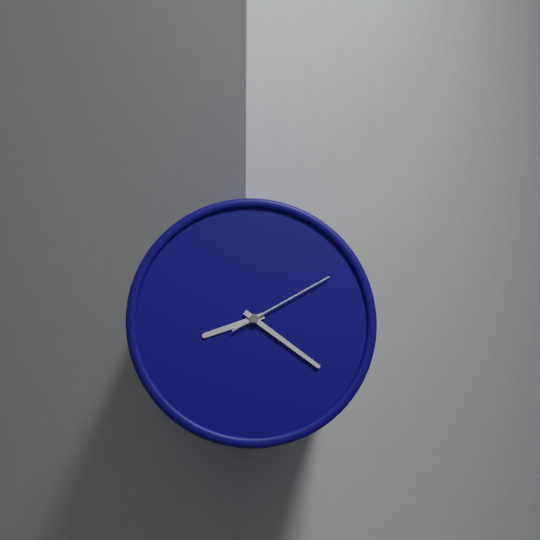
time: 8:21:10
